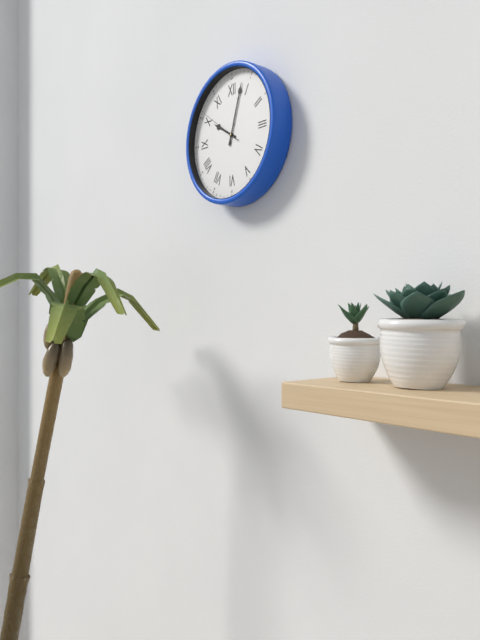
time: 10:03
